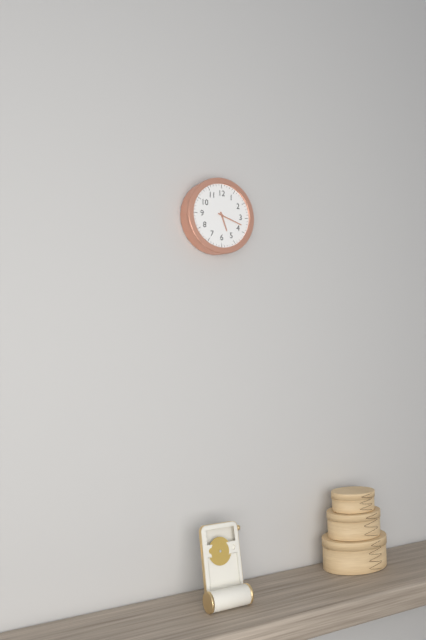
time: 5:18
